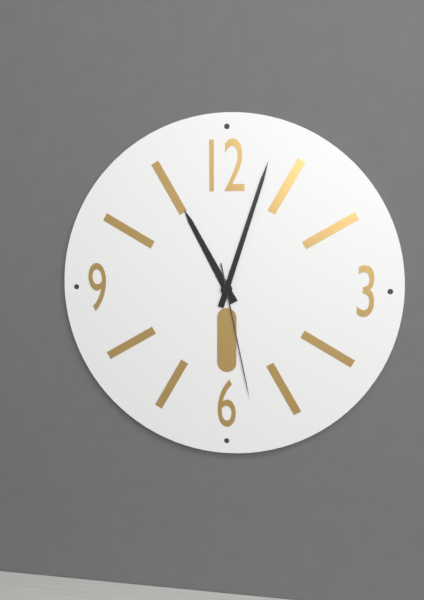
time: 11:03:28
